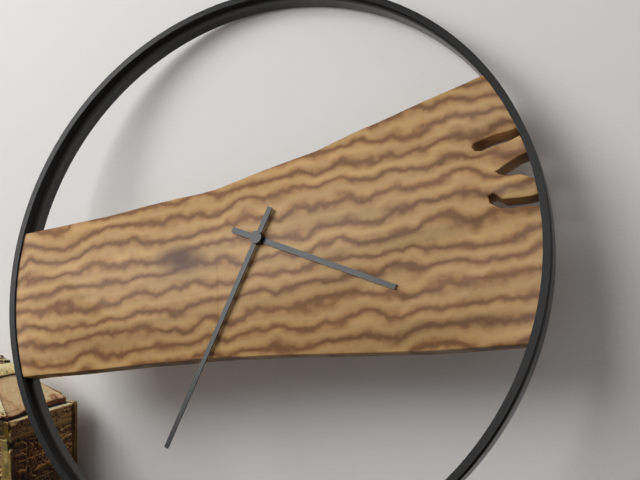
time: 3:33
